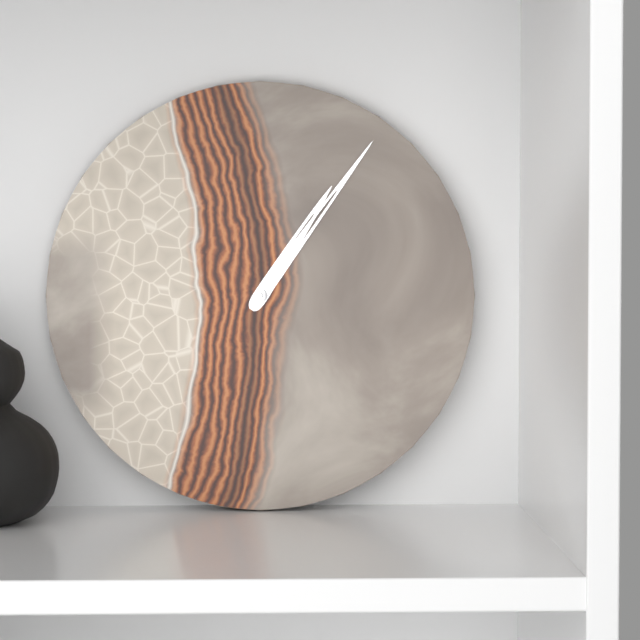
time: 1:06
